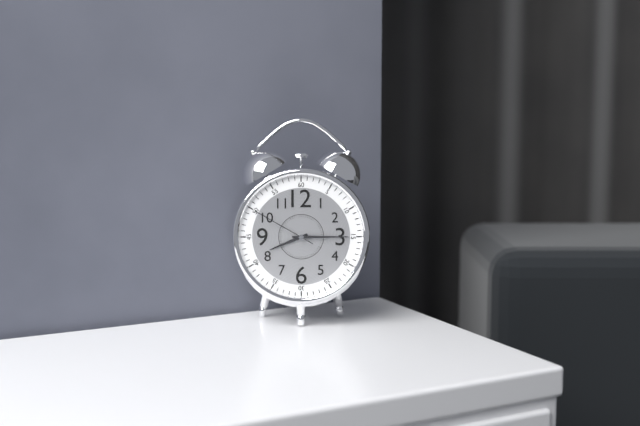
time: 8:15:50
